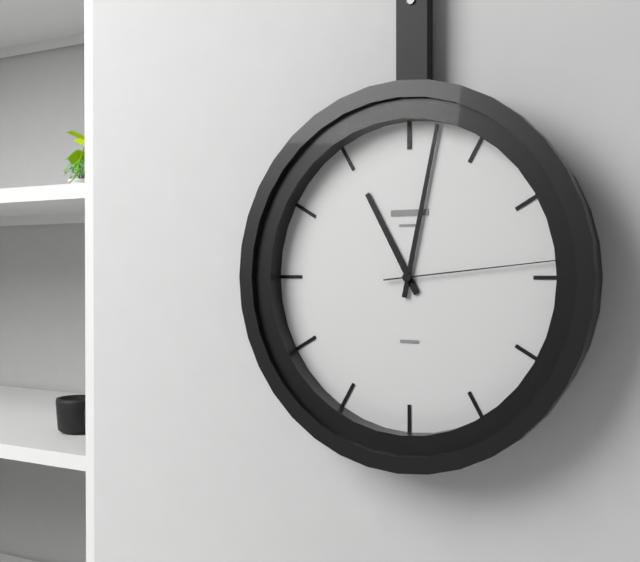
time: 11:02:14
